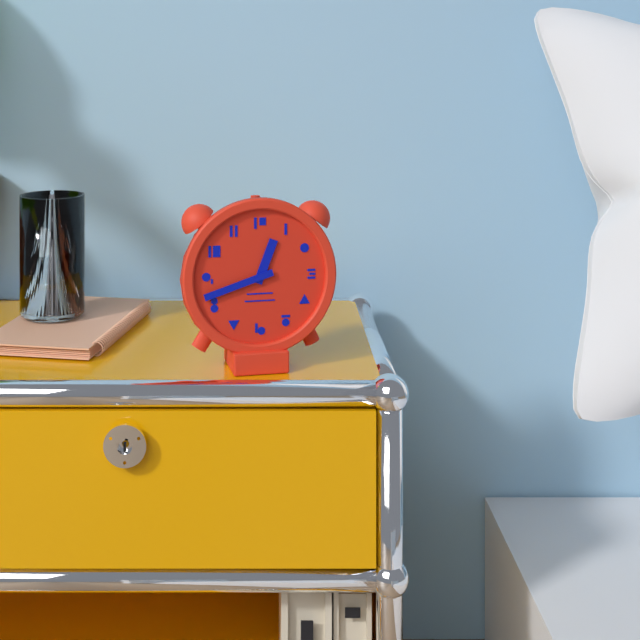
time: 12:42
